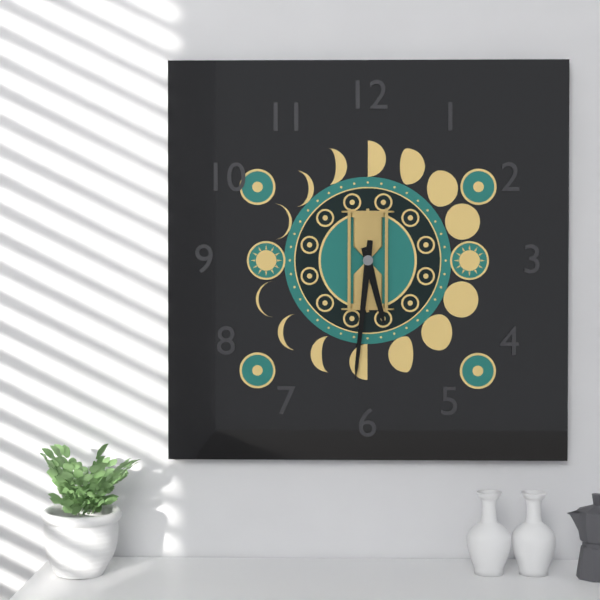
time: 5:31
